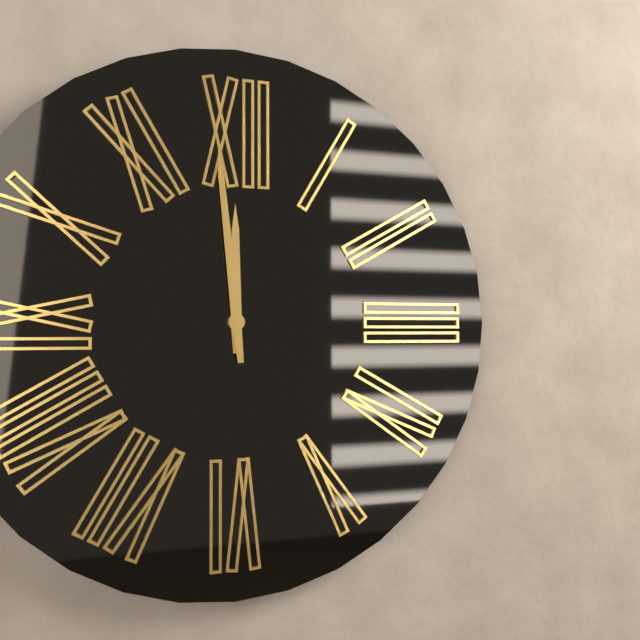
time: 11:59
